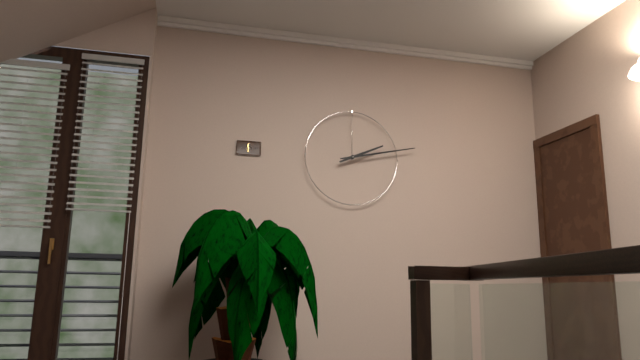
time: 2:13
